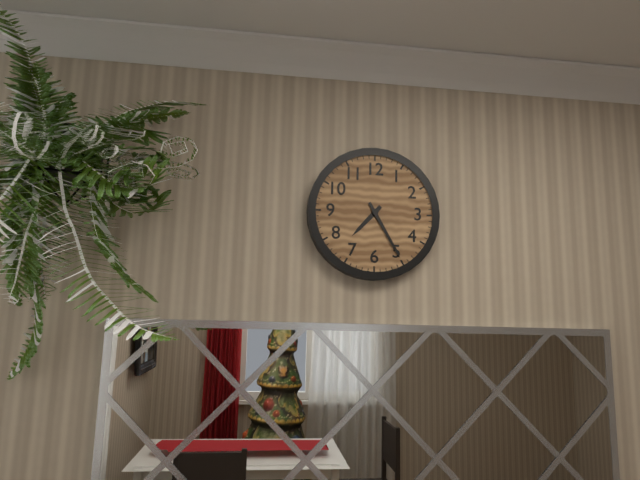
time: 7:25
